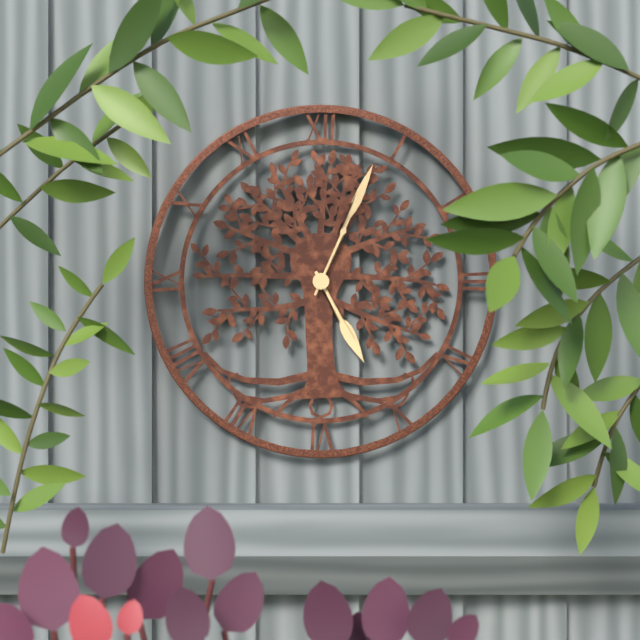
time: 5:04
